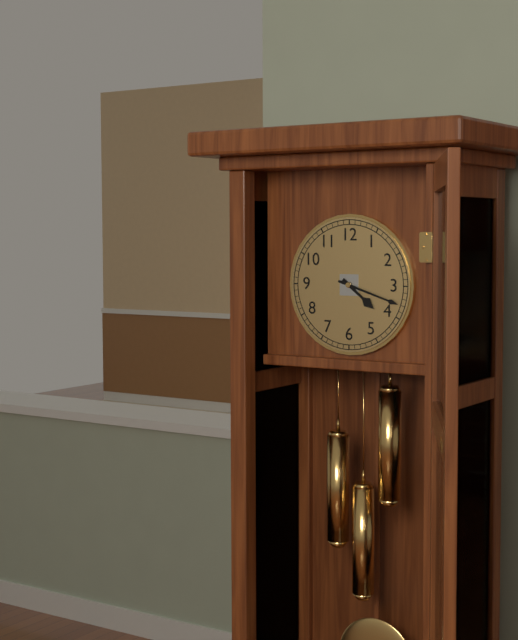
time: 4:18
